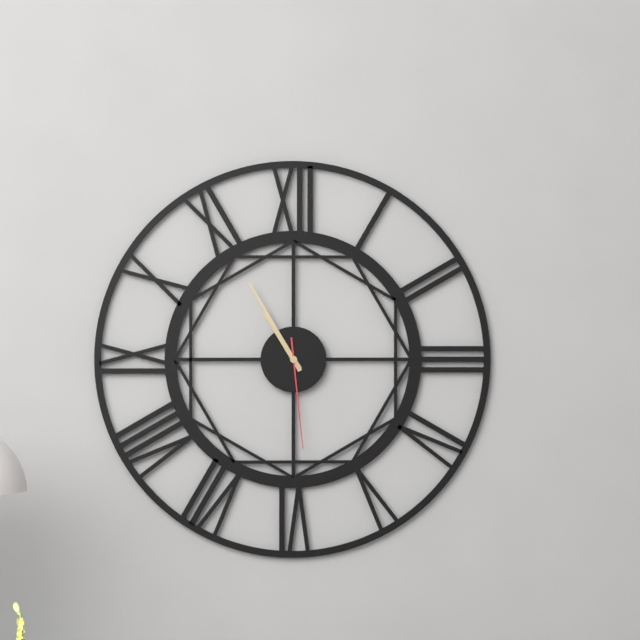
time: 10:55:29
